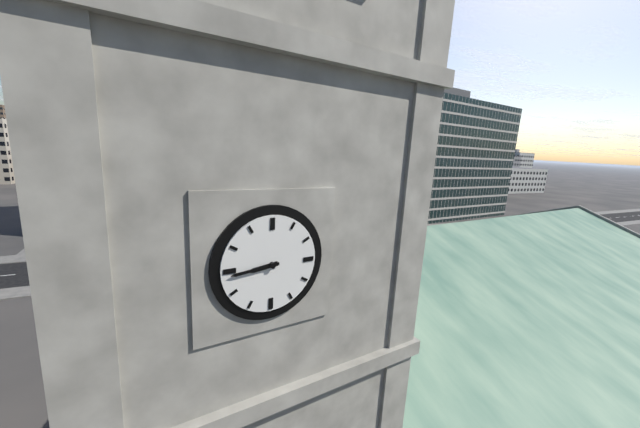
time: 8:44
